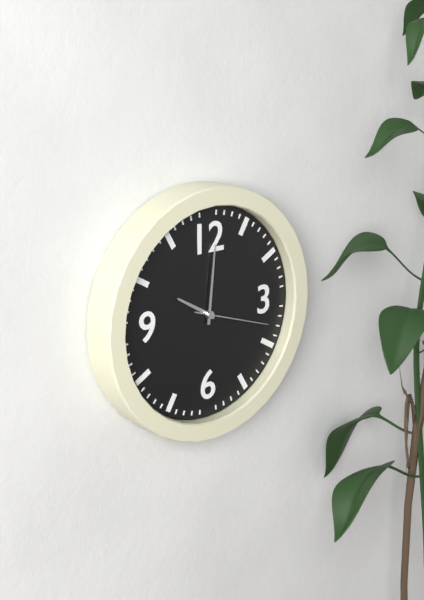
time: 10:01:18
